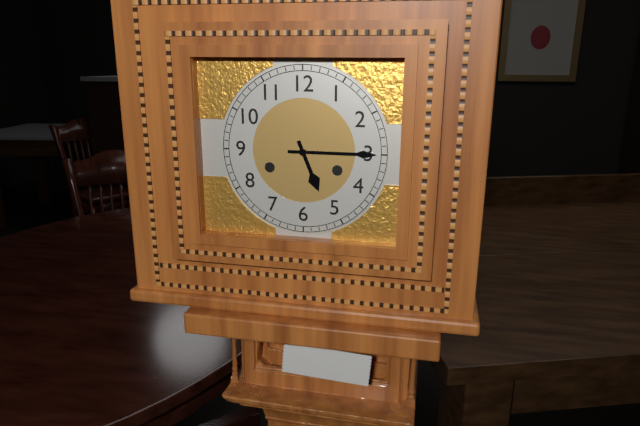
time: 5:15
